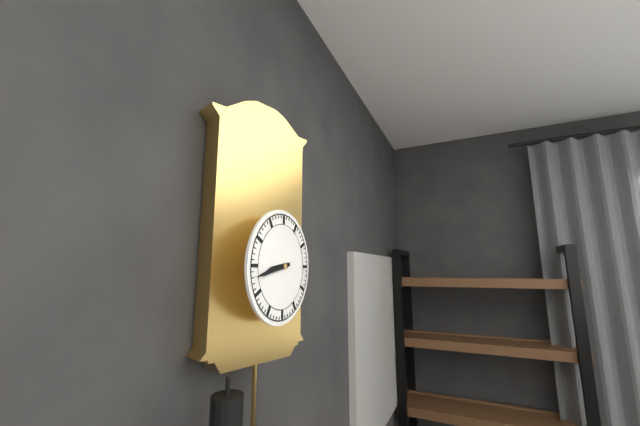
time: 8:43
